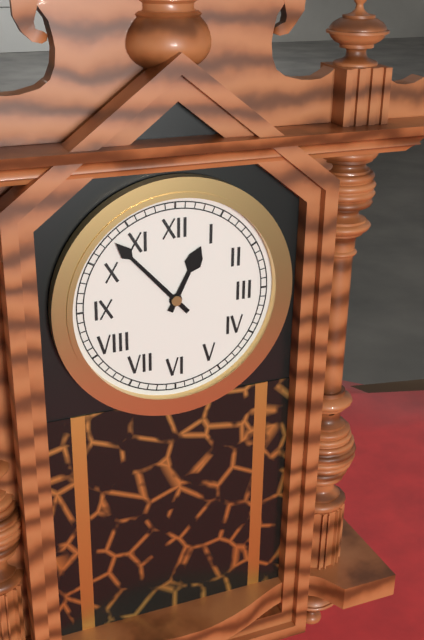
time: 12:53
